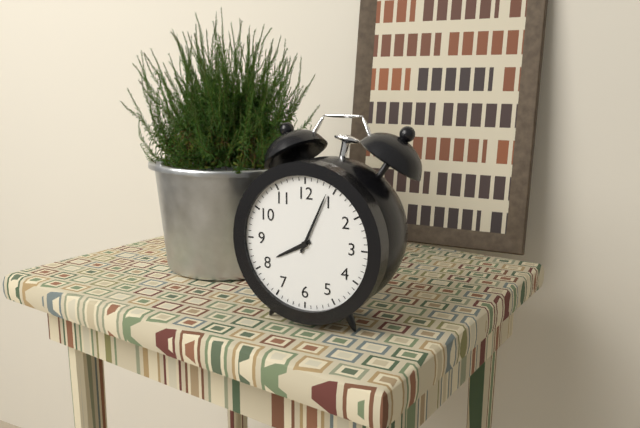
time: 8:04
